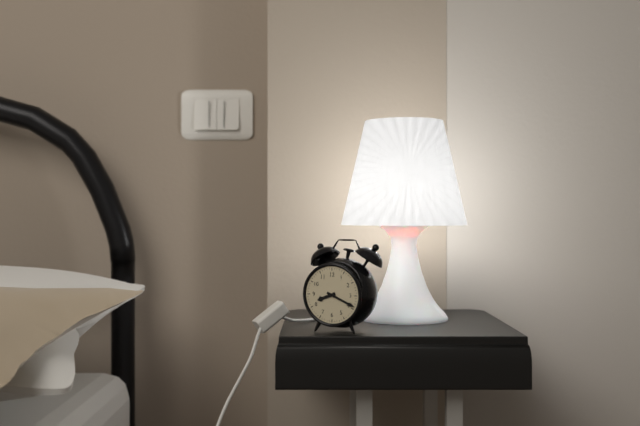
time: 8:19
